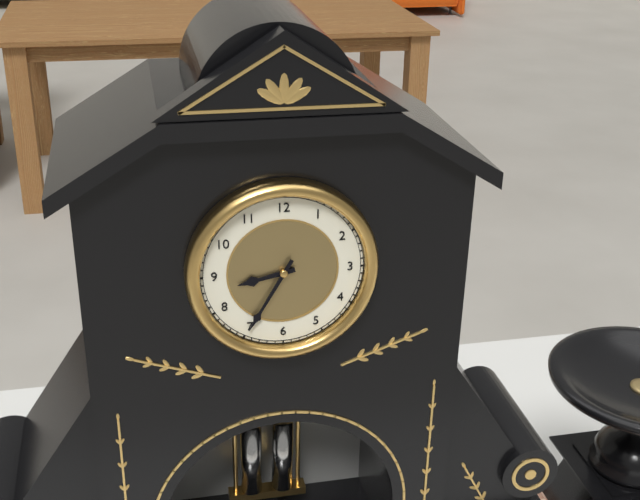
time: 8:35
